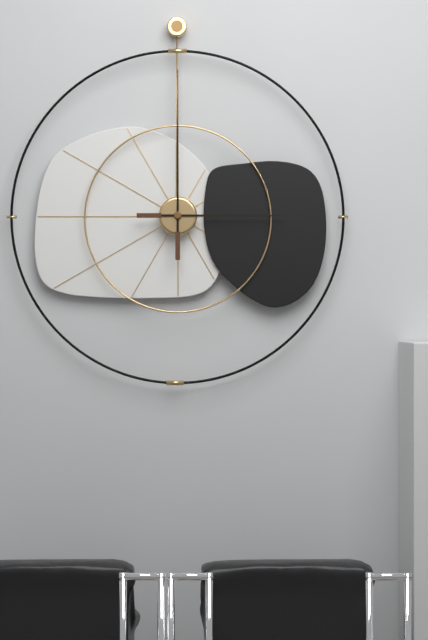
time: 3:00
